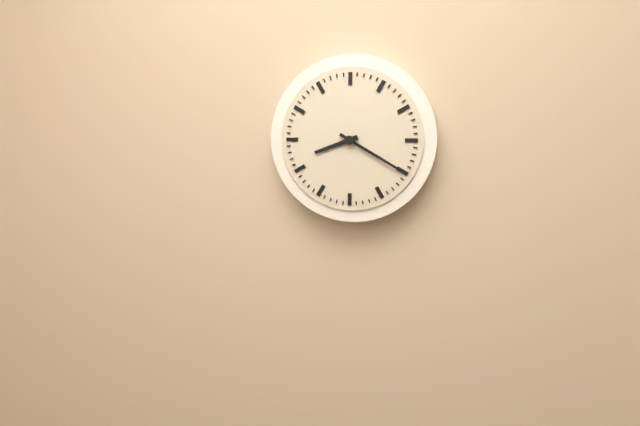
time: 8:20
